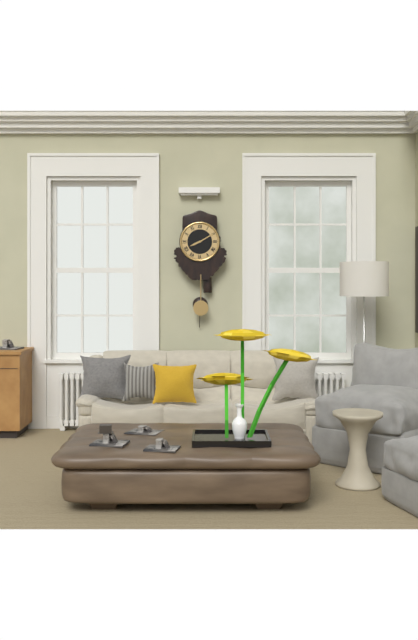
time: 8:10
